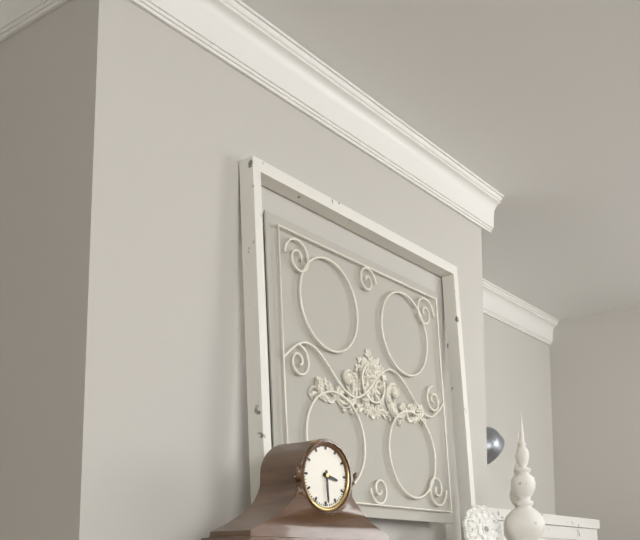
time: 3:29
